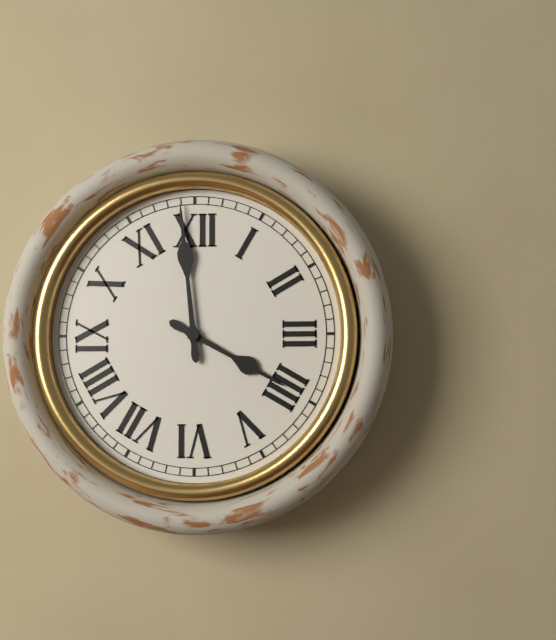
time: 3:59
